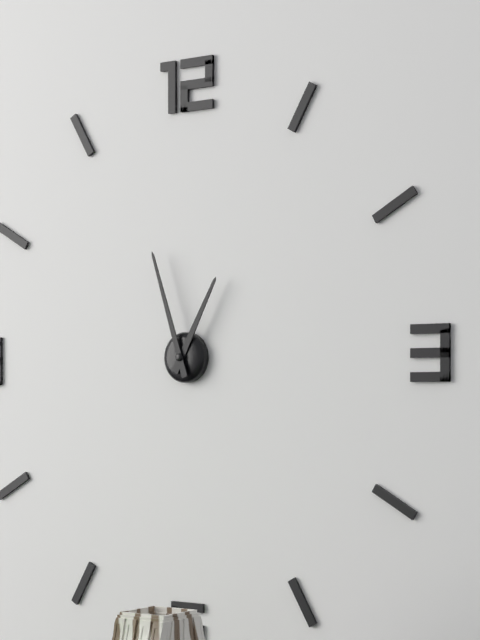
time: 12:57
